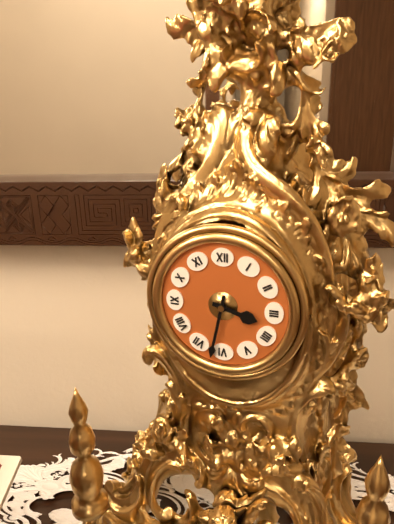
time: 3:32
